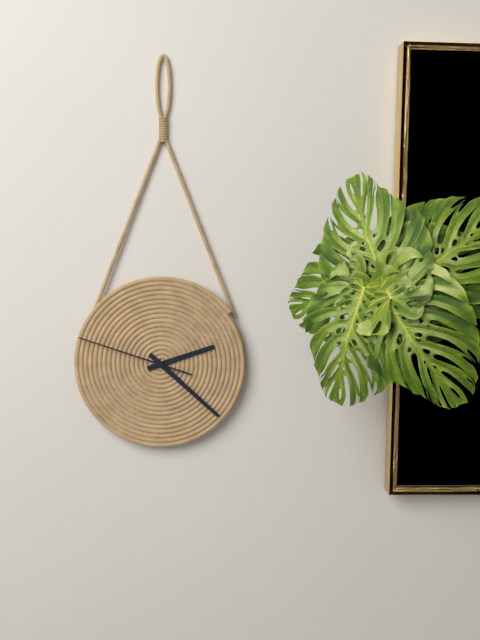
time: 2:22:48
